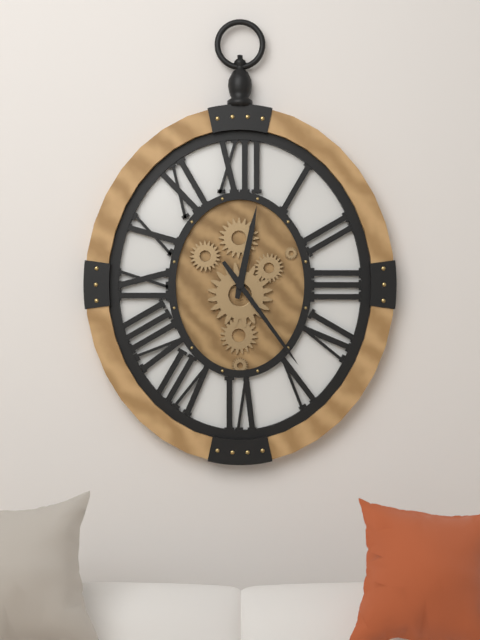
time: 12:24
